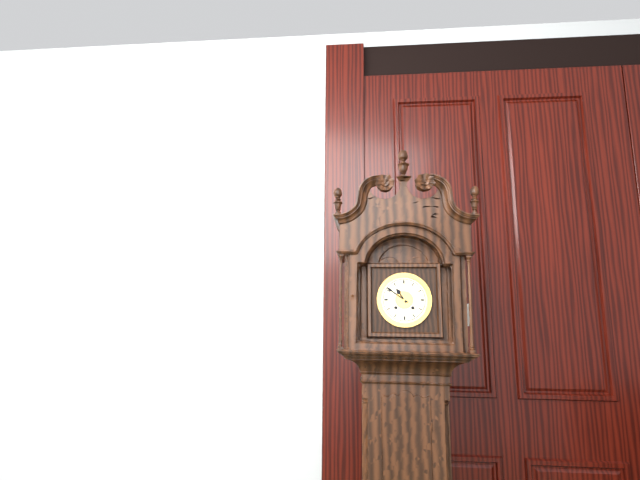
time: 10:51
